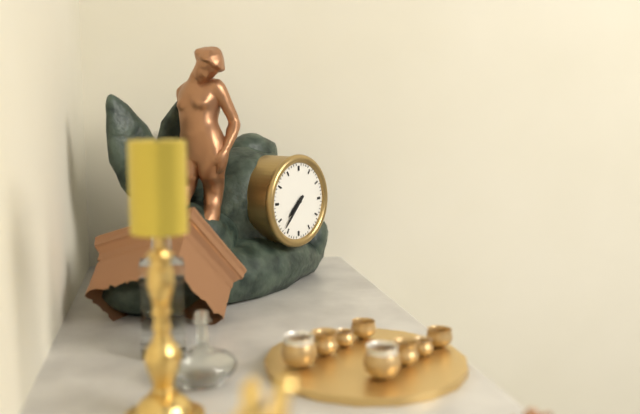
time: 7:37
